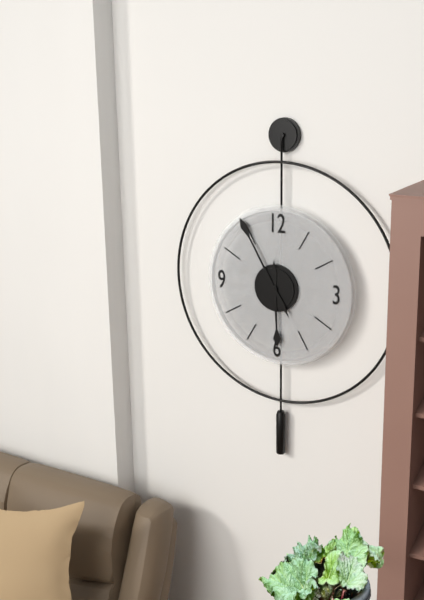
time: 5:55
